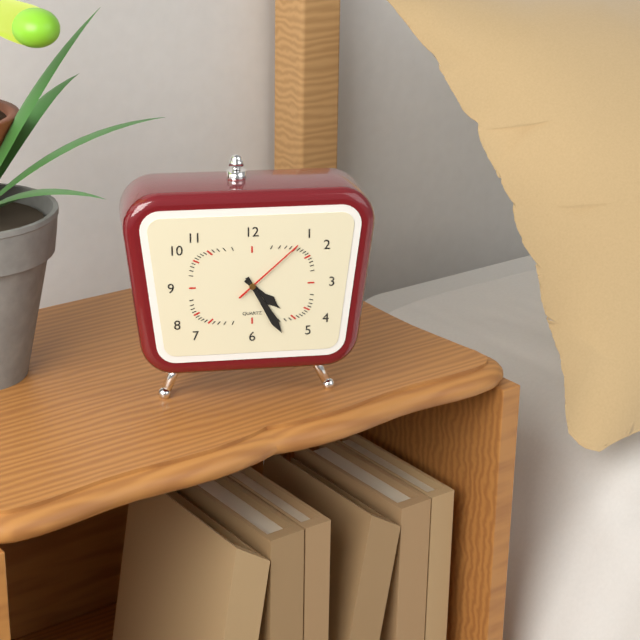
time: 4:25:08
